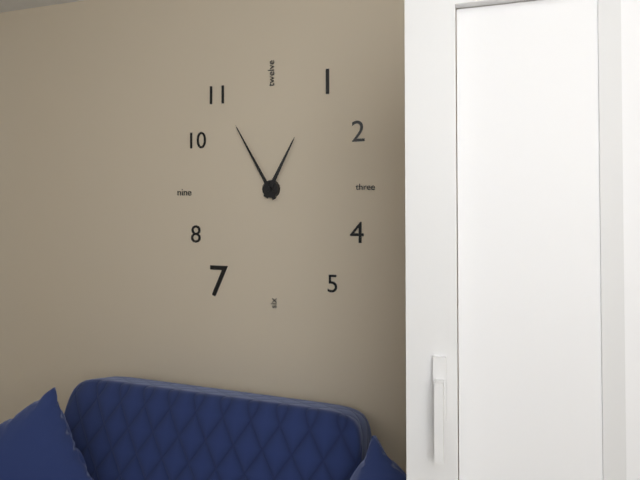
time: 12:55
